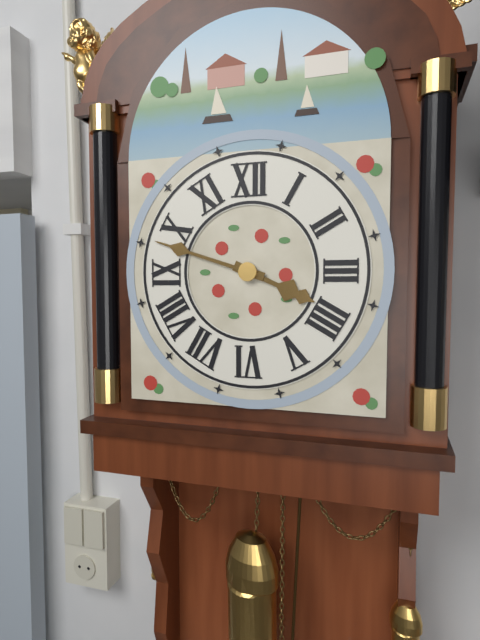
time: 3:48
